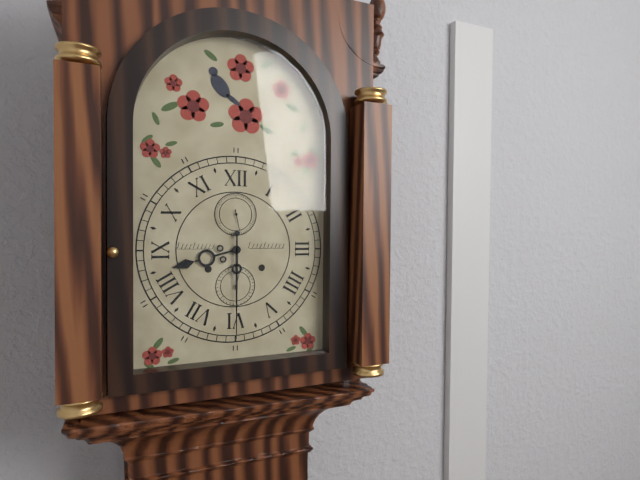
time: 8:30
